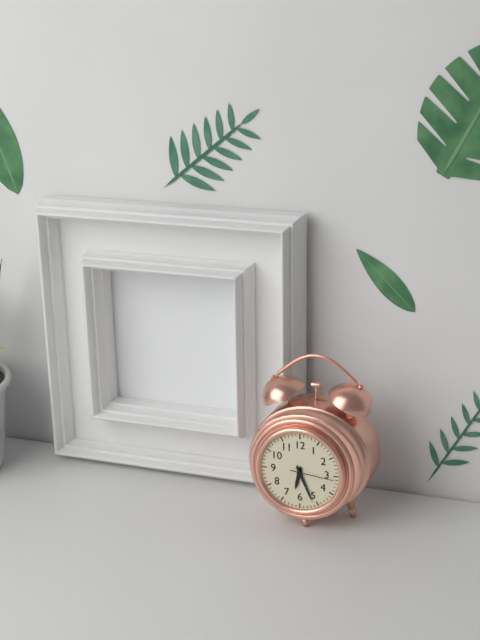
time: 6:26
